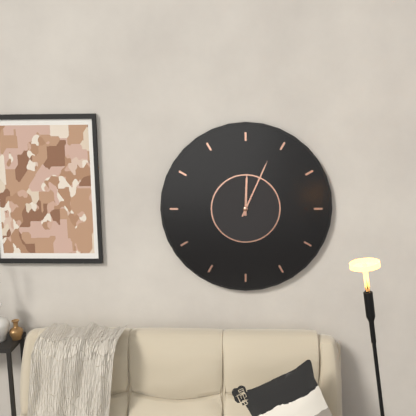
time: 12:04
